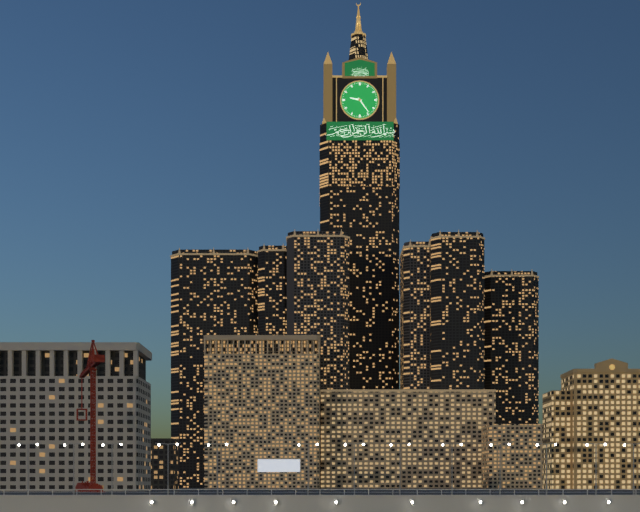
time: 9:24
